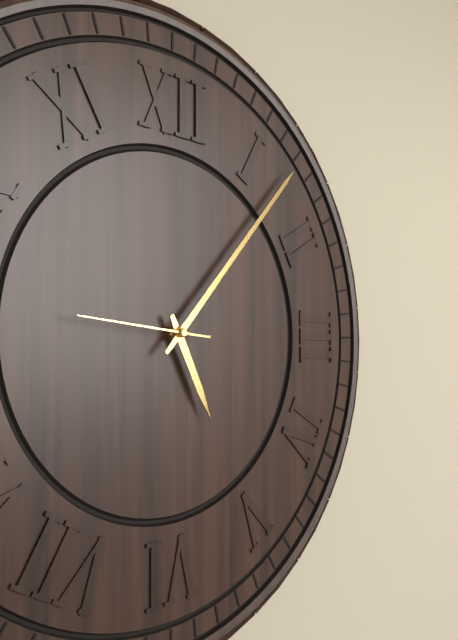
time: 5:07:46
